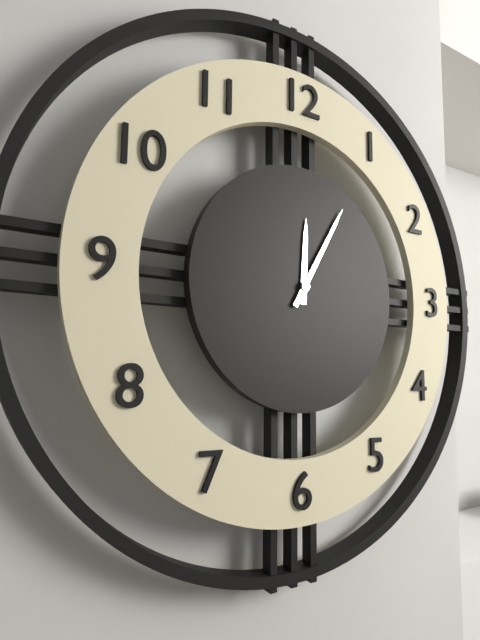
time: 12:05
